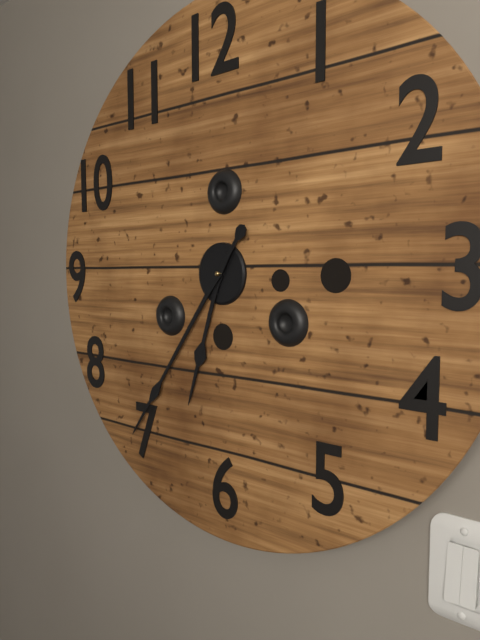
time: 6:36
